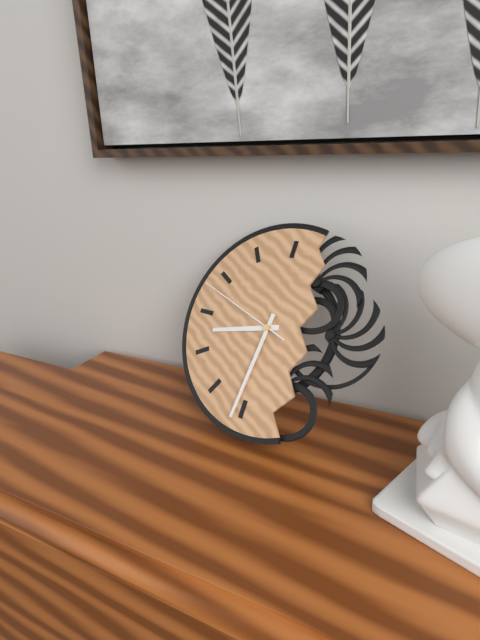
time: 8:31:48
